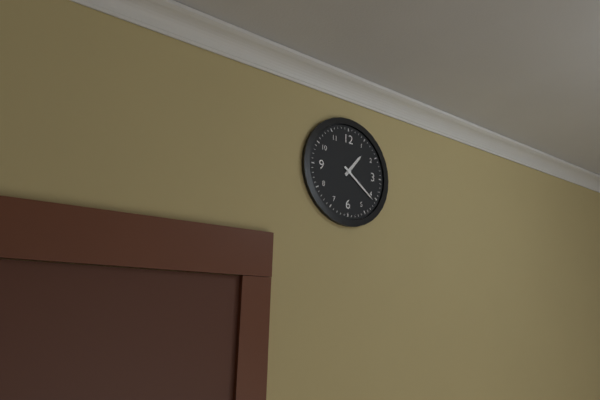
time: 1:21
